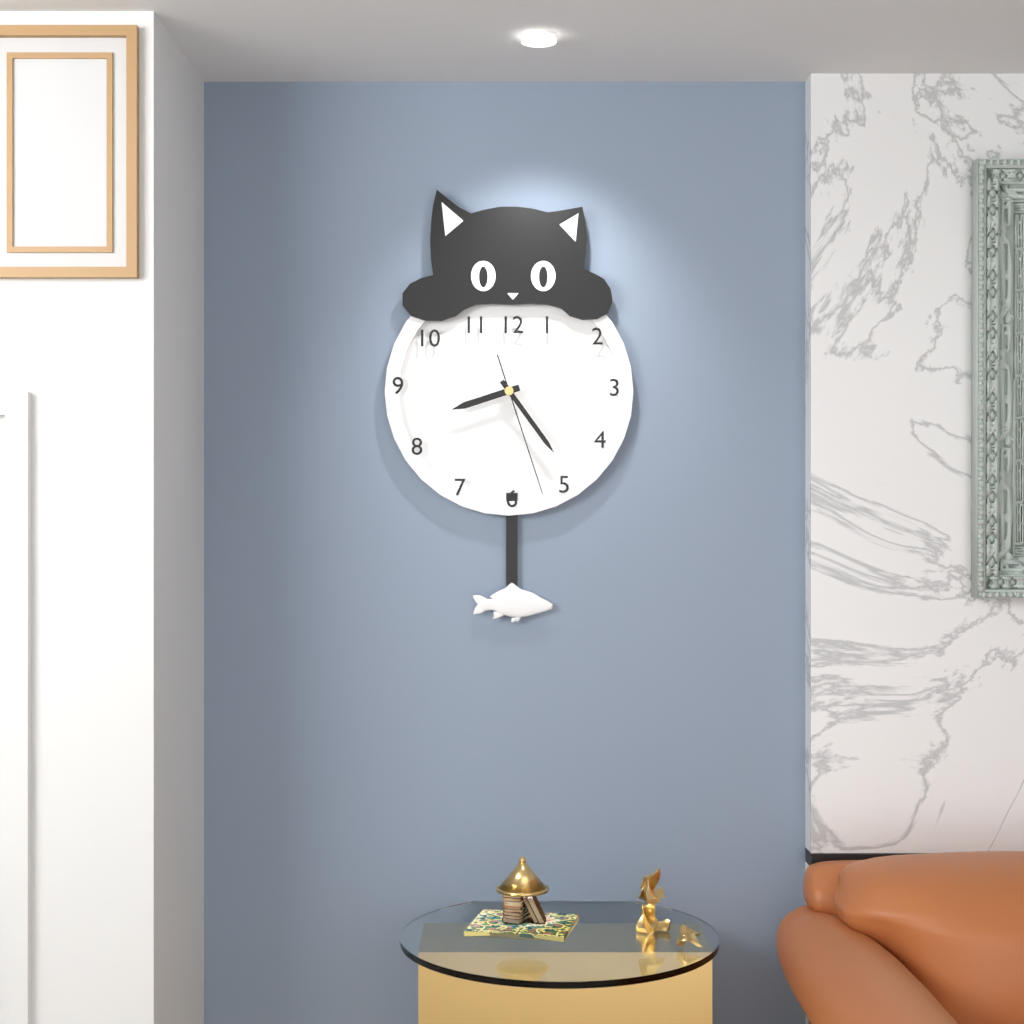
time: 8:24:27
